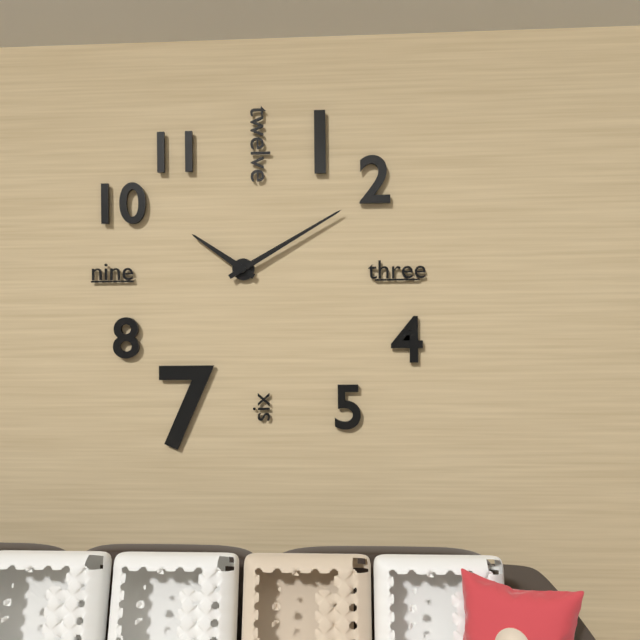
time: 10:10
